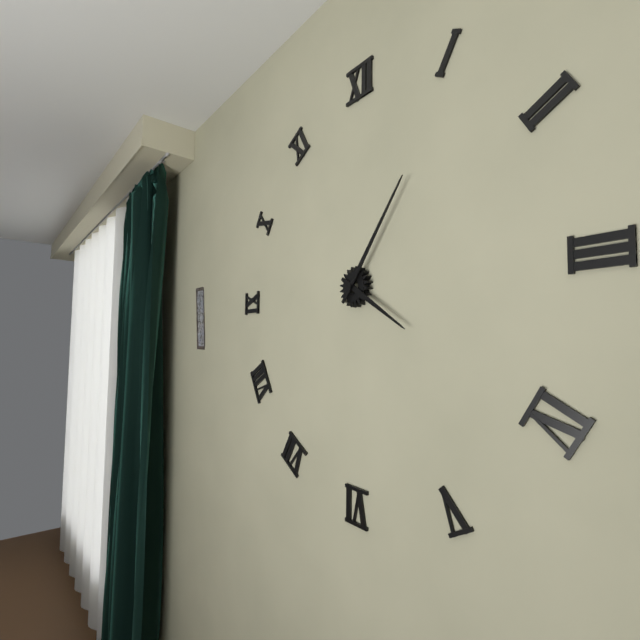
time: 4:06
